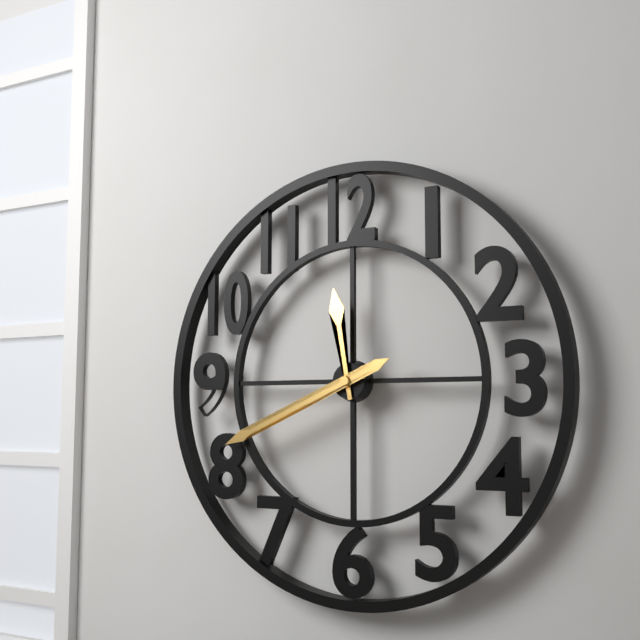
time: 11:41
